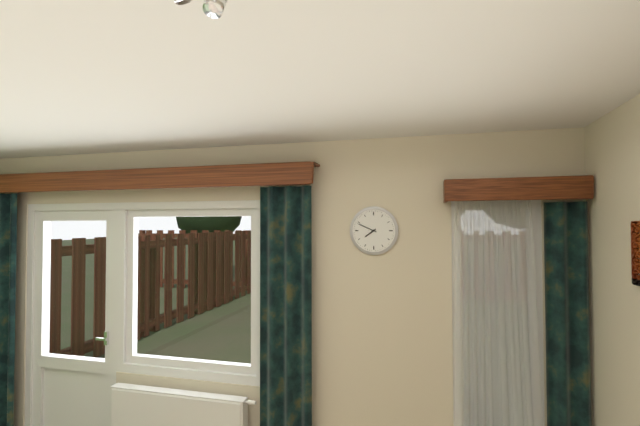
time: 7:49
